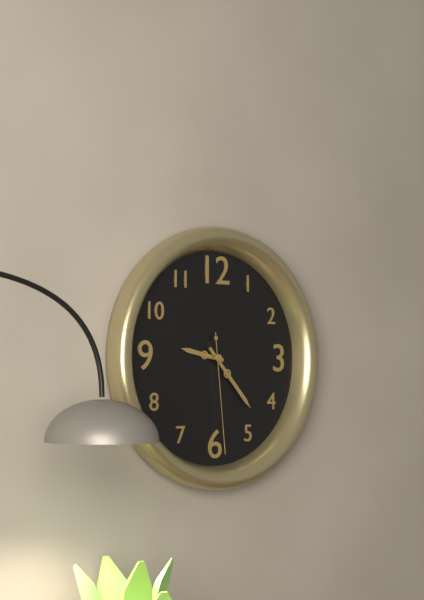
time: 9:23:29
